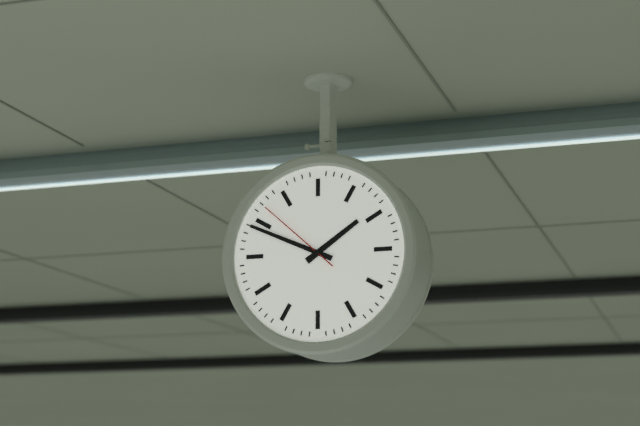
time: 1:49:52
